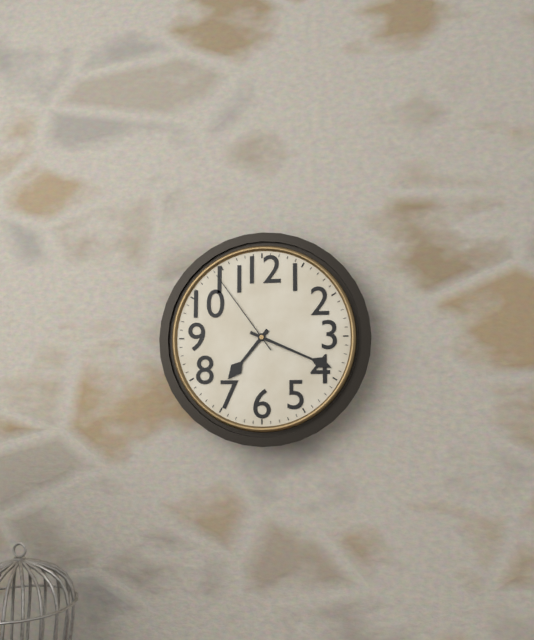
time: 7:19:54
